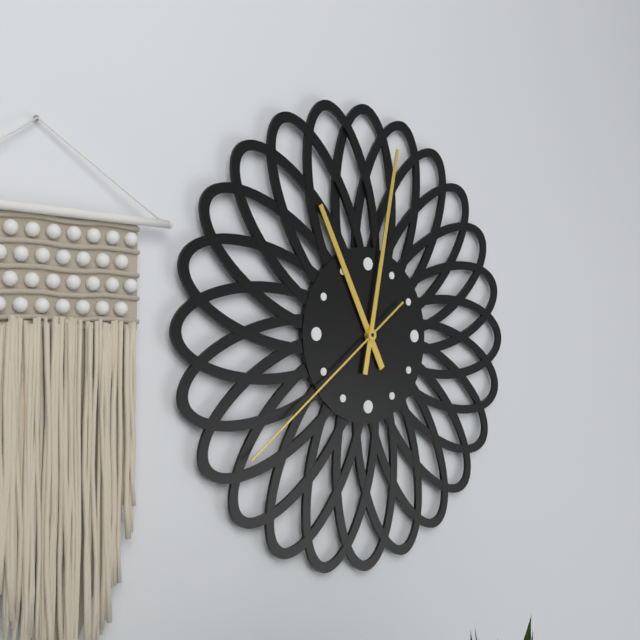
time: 11:02:39
